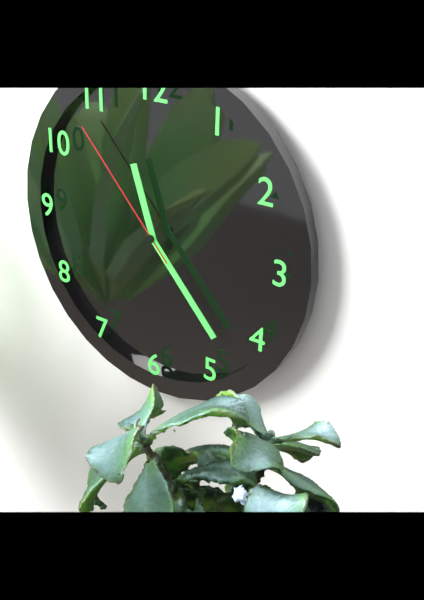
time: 11:23:53
